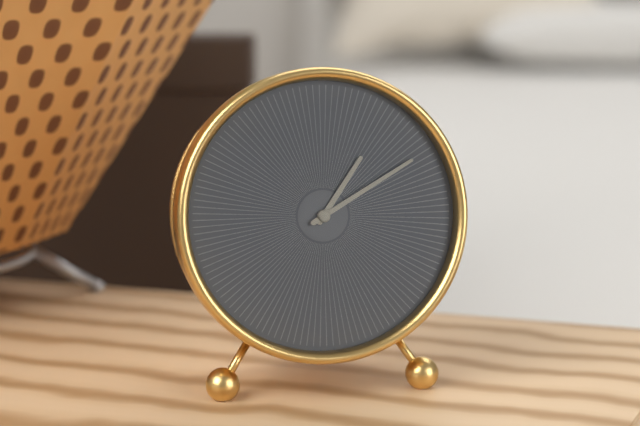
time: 1:10
